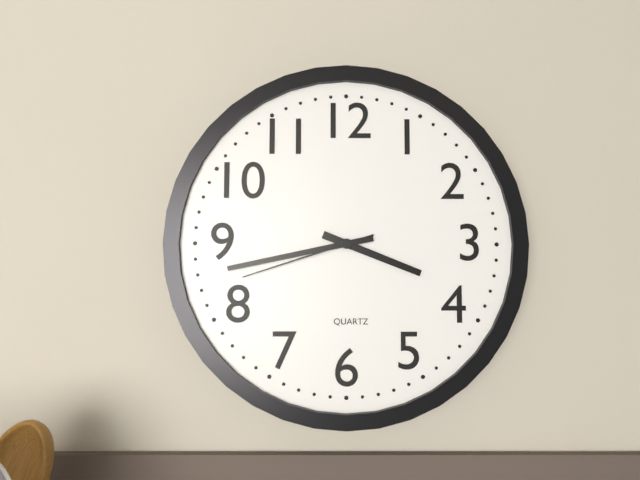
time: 3:43:42
